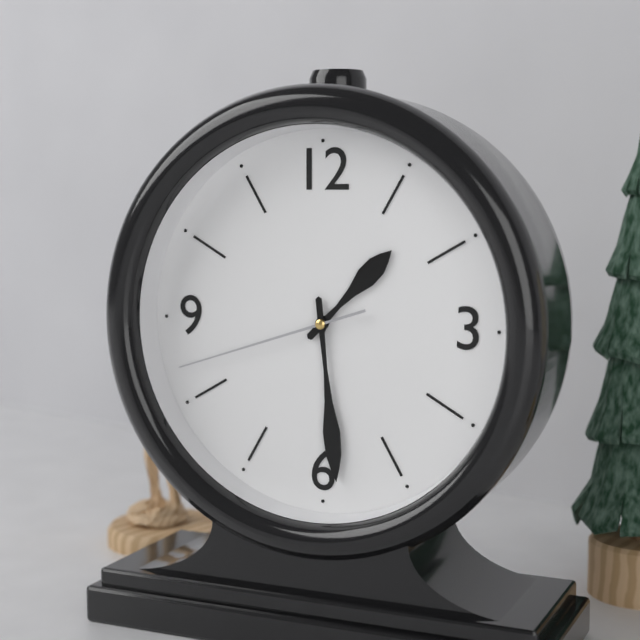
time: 1:29:42
